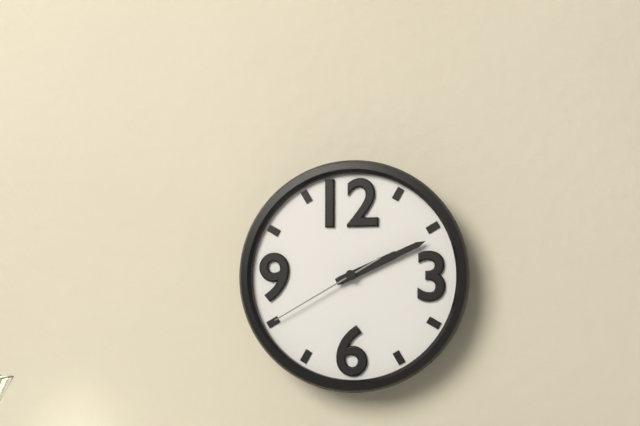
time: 2:11:40
